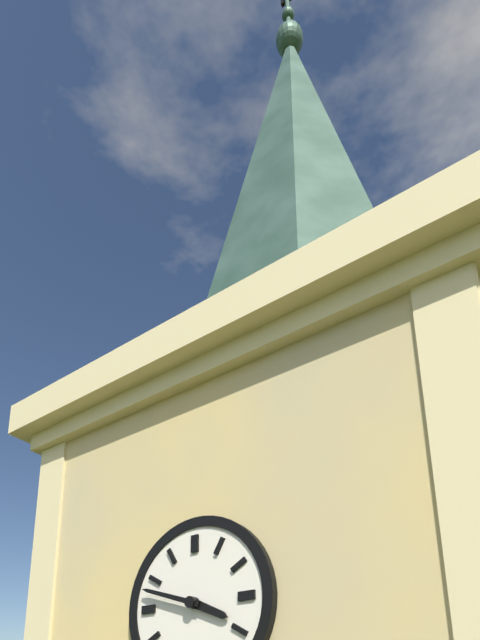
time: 3:48
